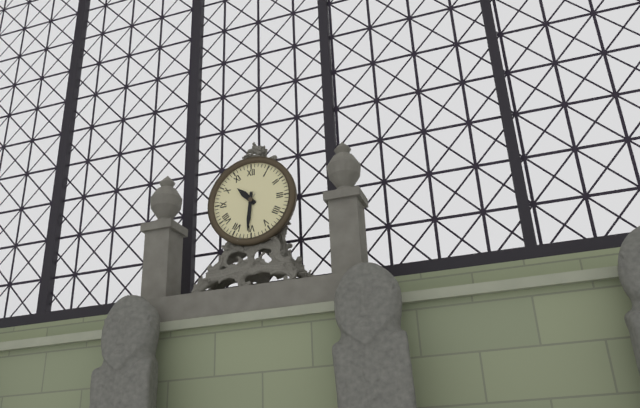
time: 10:31
